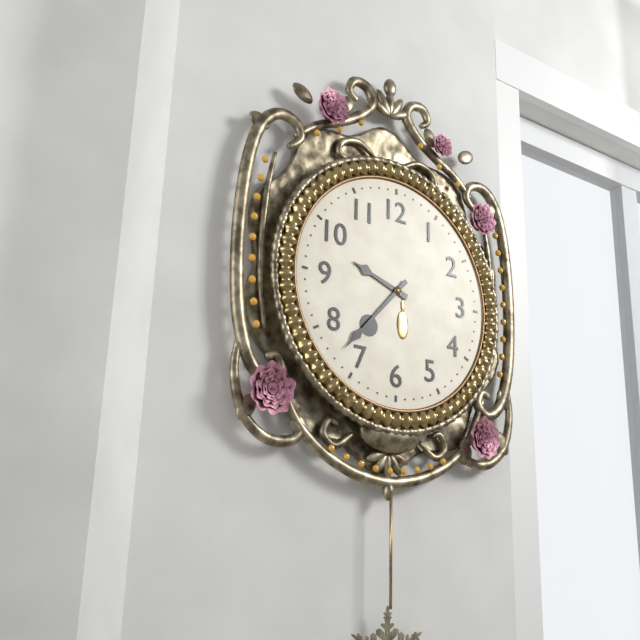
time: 9:37
